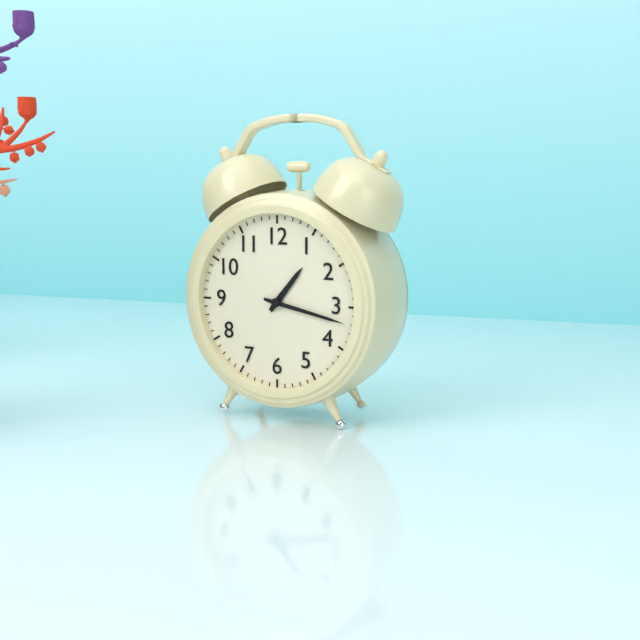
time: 1:17
